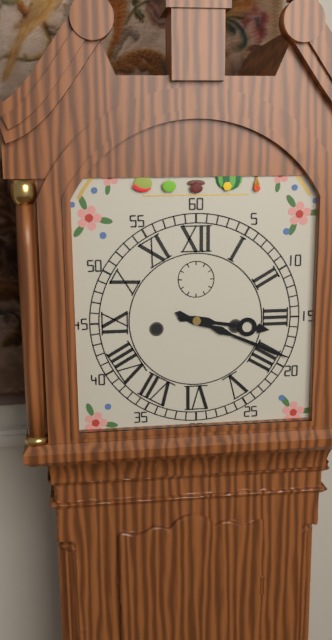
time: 3:19
